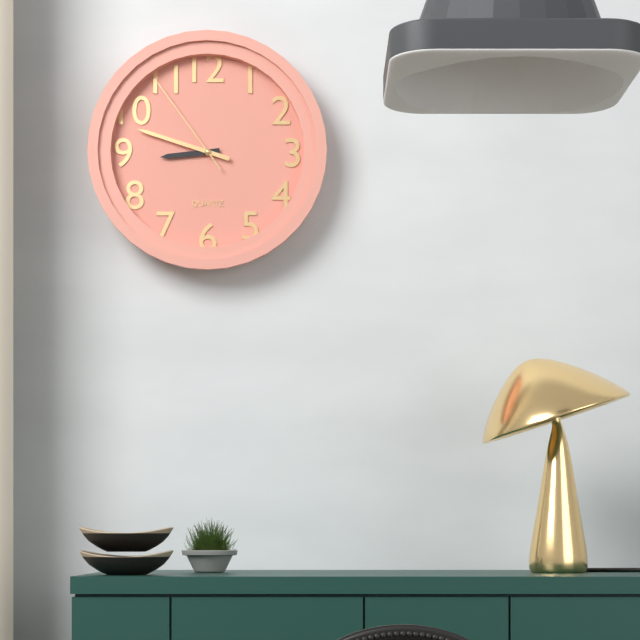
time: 8:48:54
